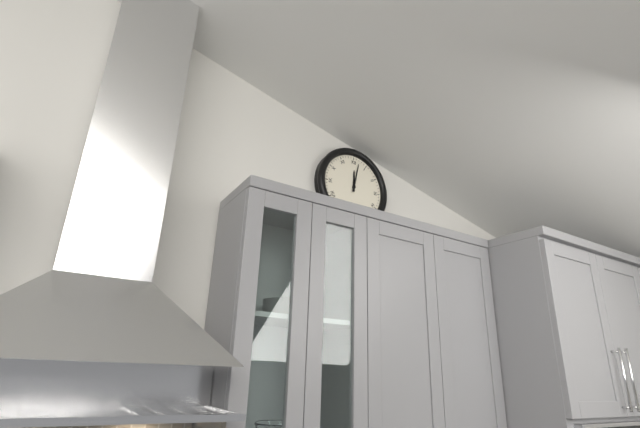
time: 12:02
